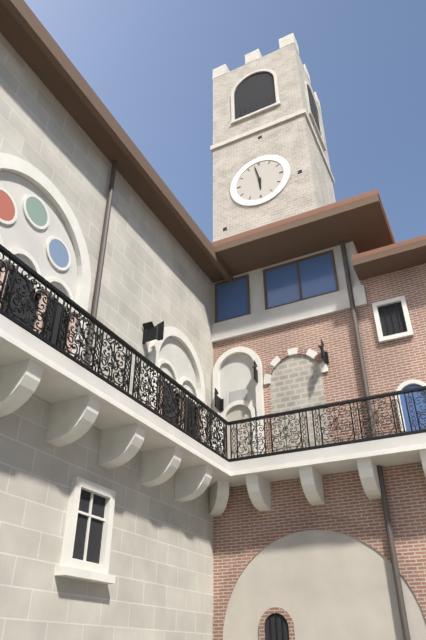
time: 5:58
